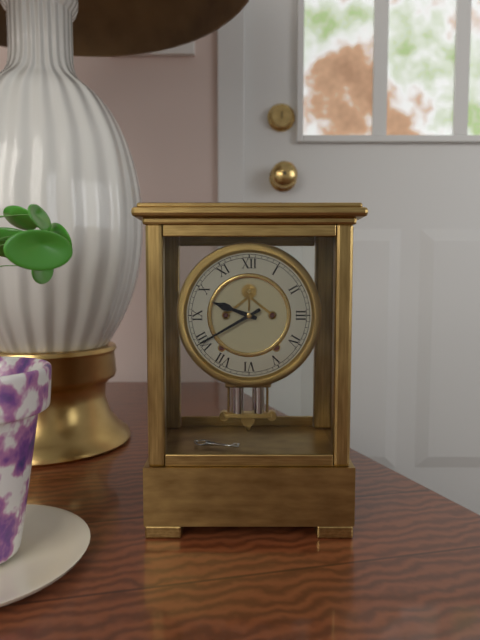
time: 9:40
